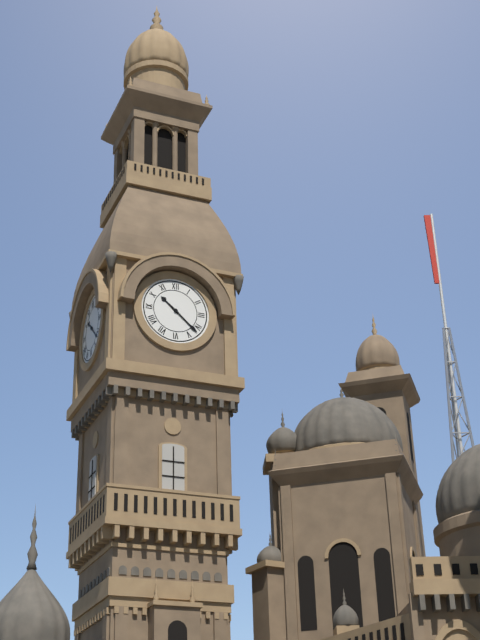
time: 10:22
